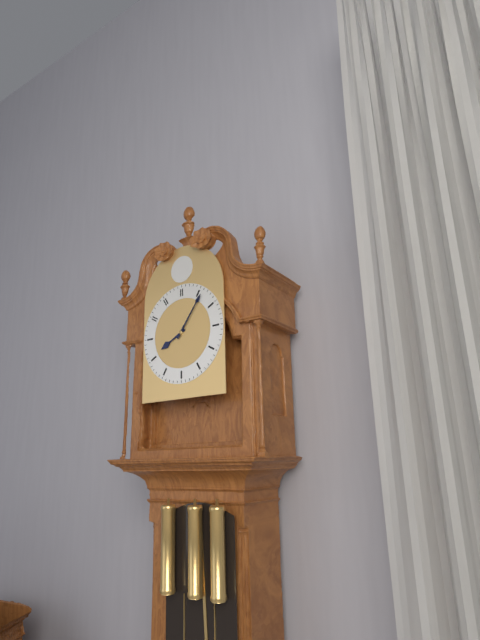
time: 8:06
